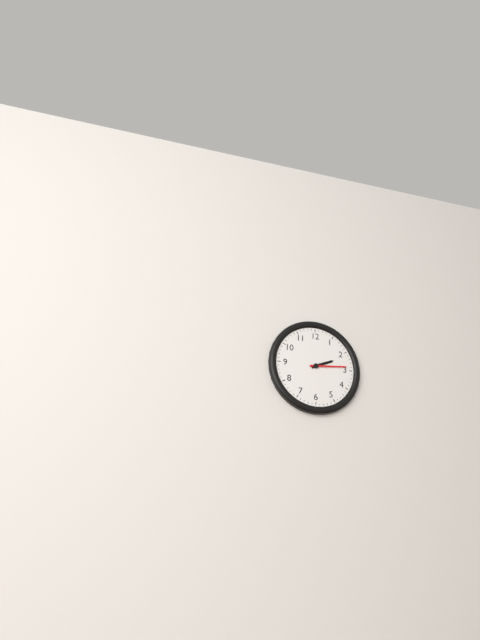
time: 2:14
